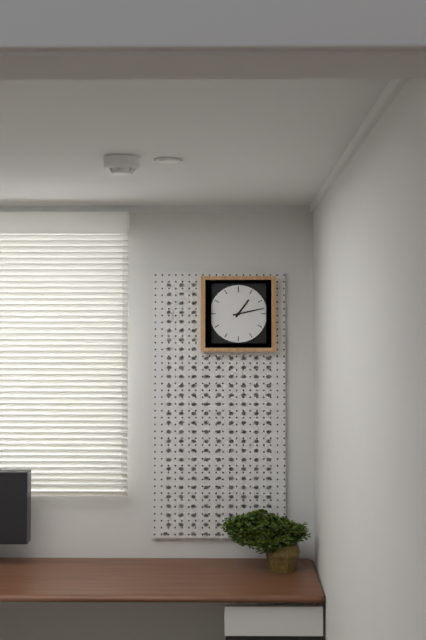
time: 1:13
